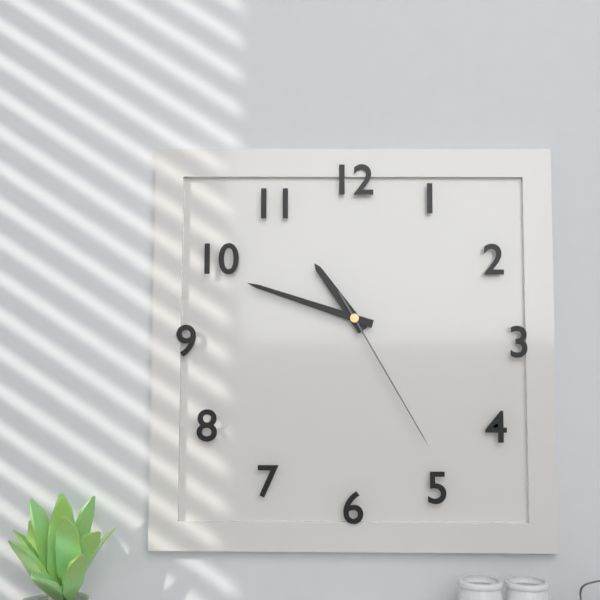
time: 10:48:25
